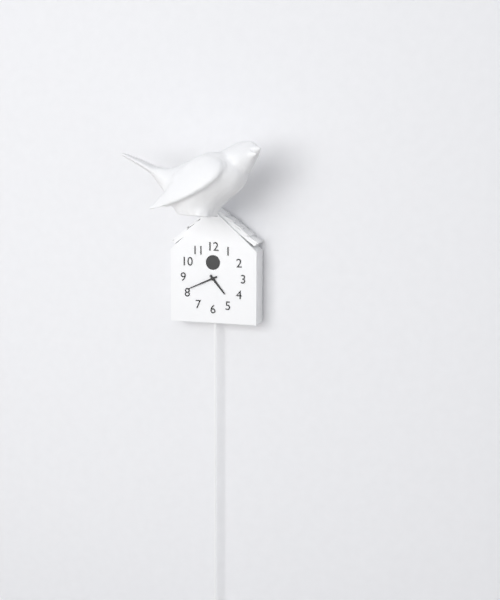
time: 4:41
